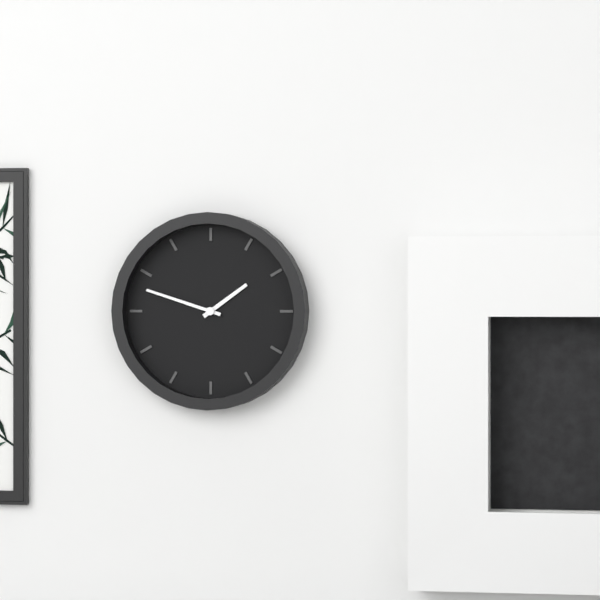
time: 1:48
